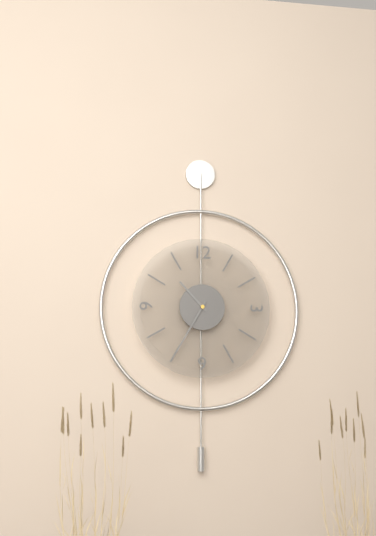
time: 10:35
